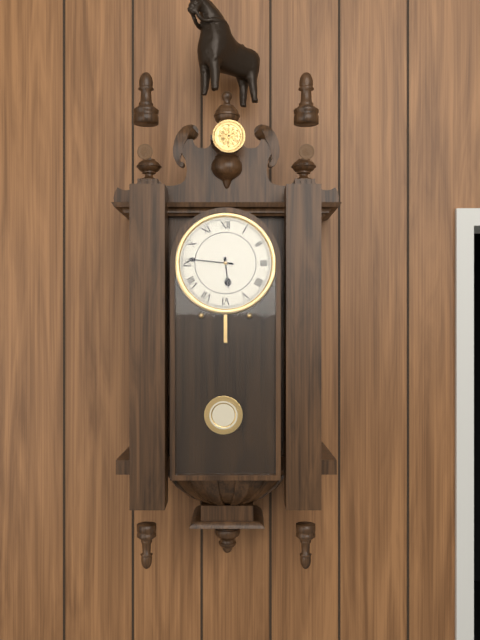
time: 5:46
